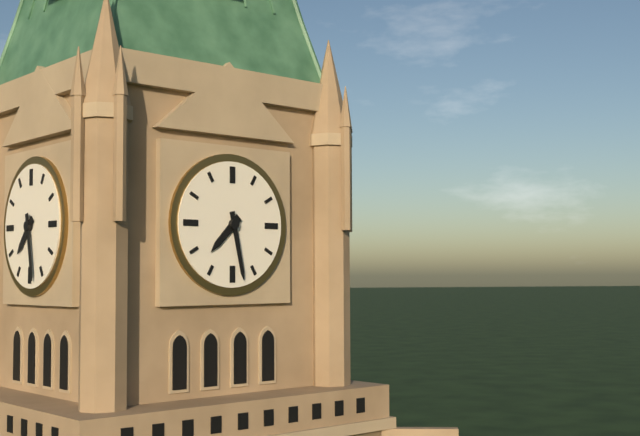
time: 7:28
